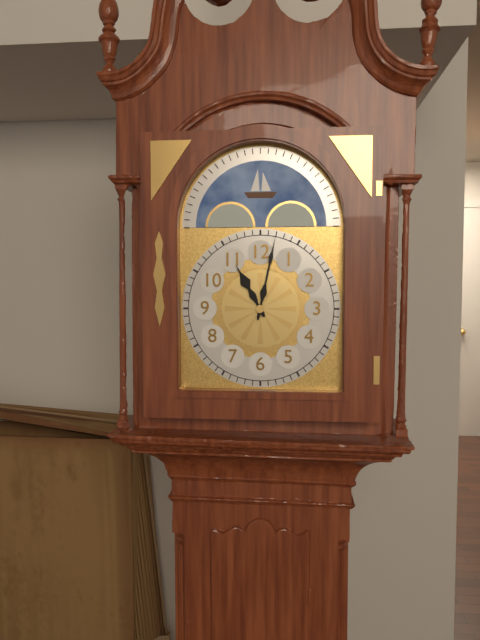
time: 11:02
